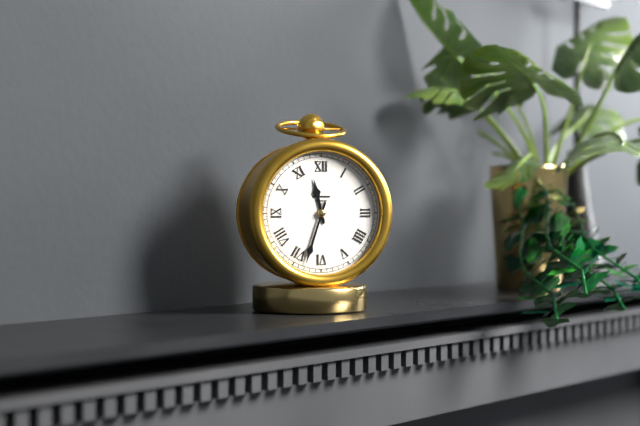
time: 11:33
